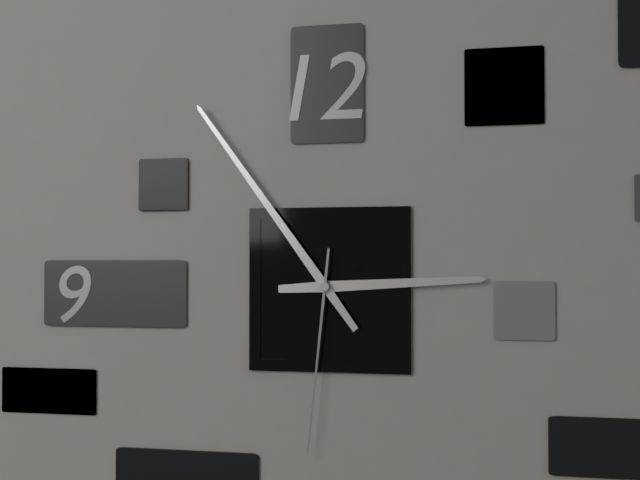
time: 2:54:31
